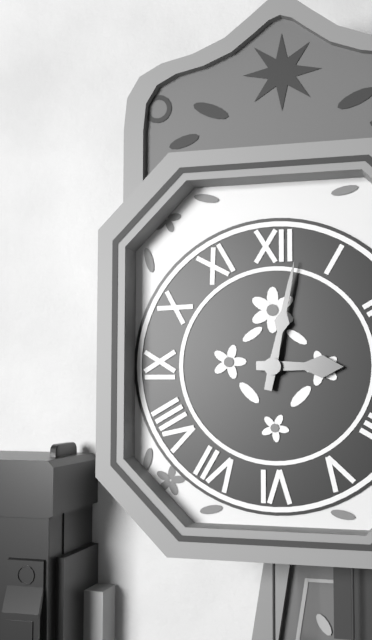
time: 3:02
